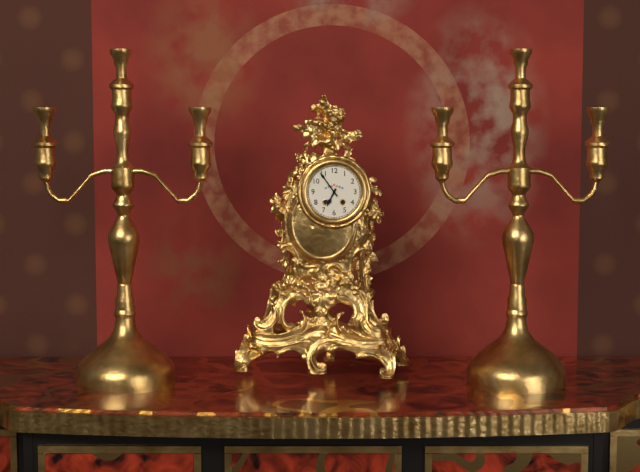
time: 6:54
